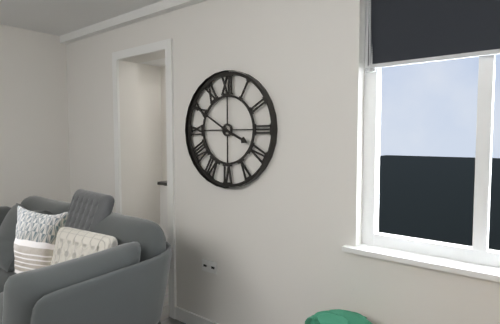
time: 3:50
